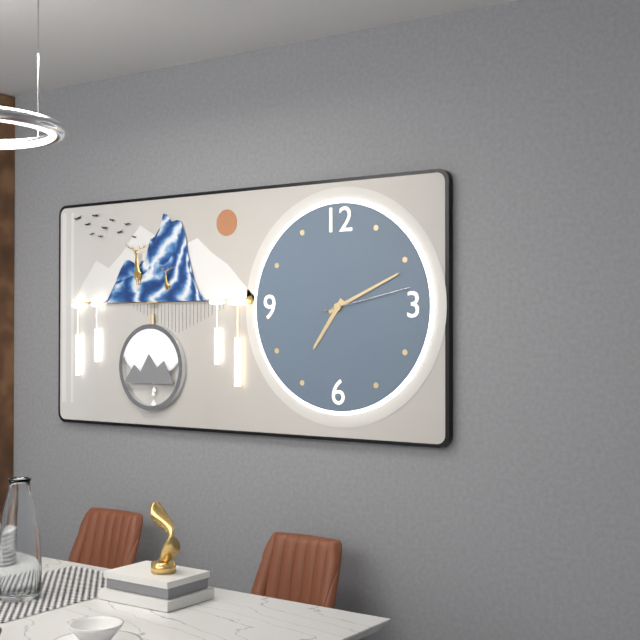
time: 7:11:13
